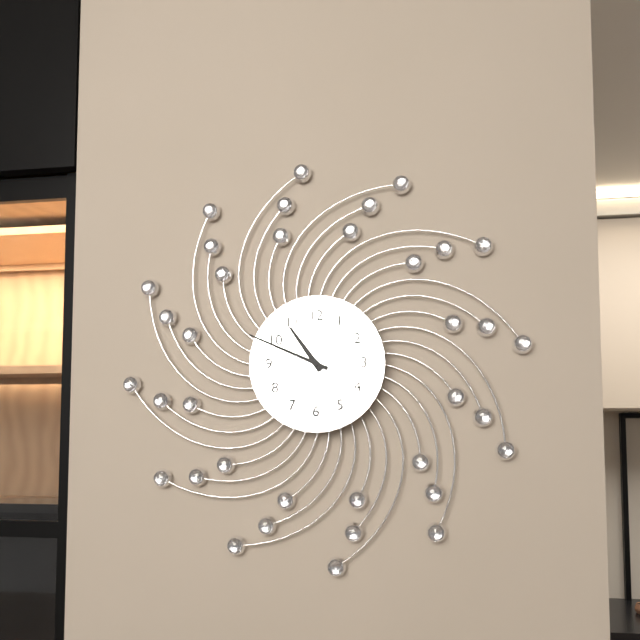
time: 10:49
